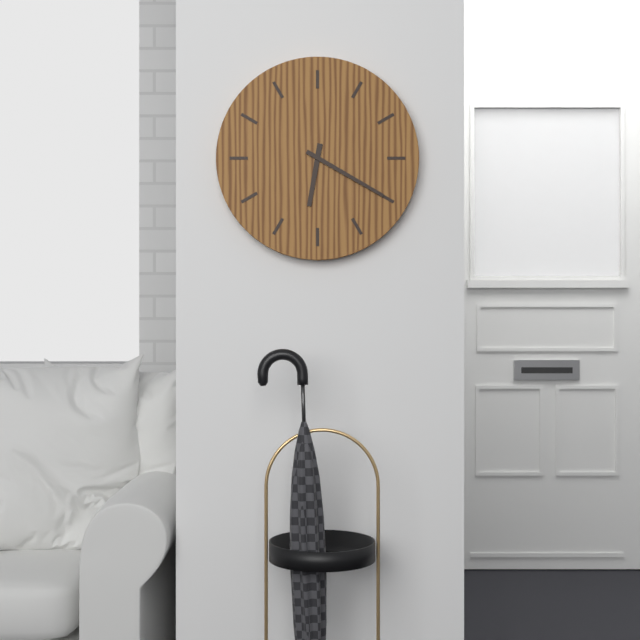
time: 6:20
